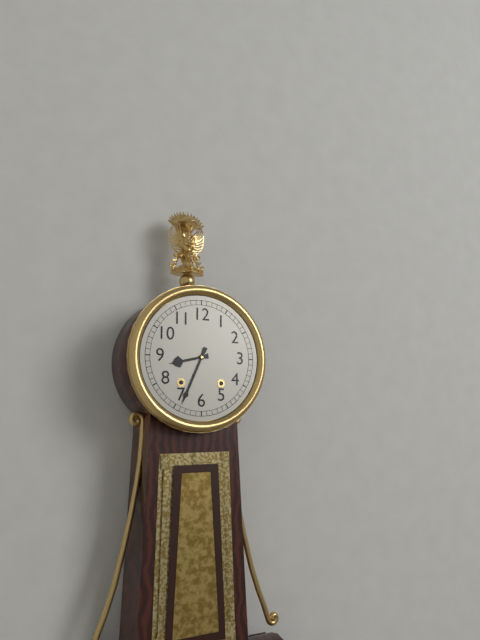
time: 8:34
